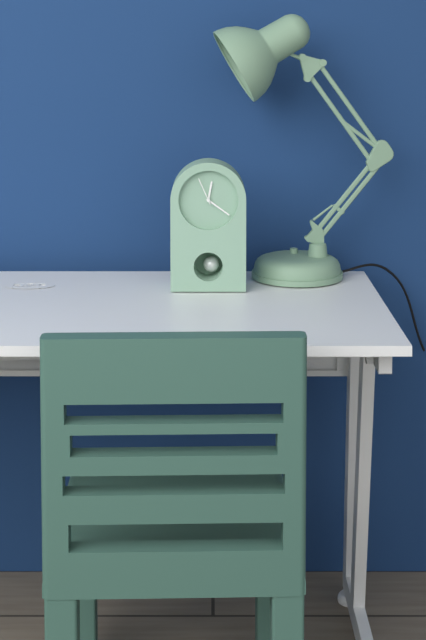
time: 12:21
